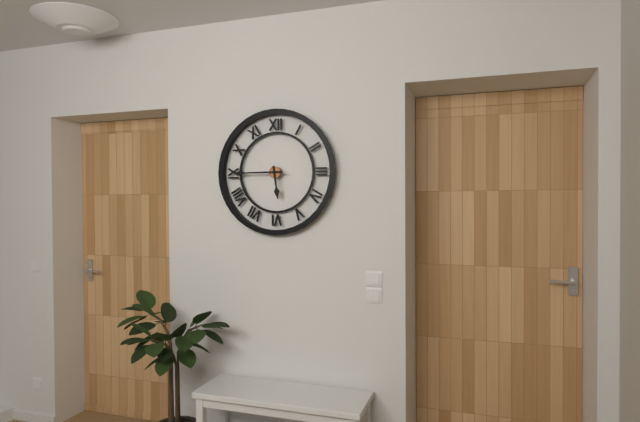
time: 5:45
